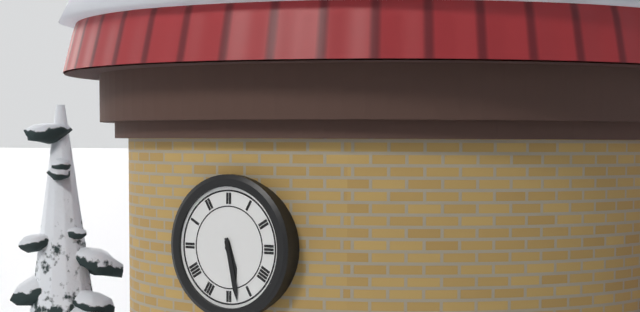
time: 5:28
